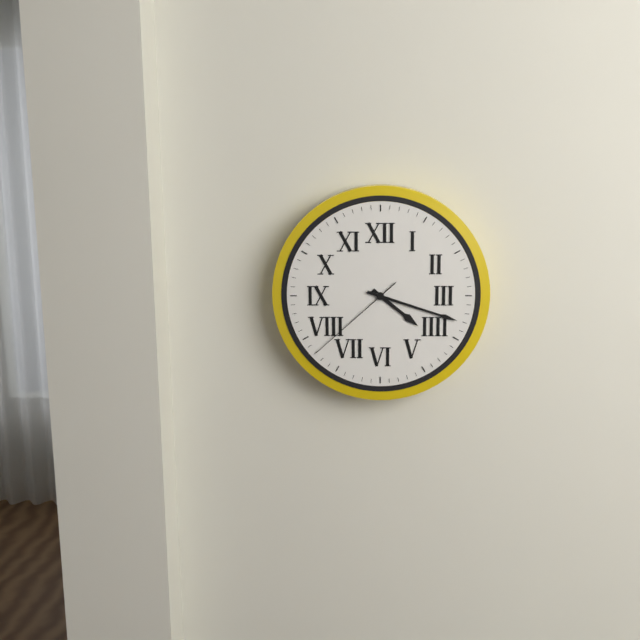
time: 4:18:38
